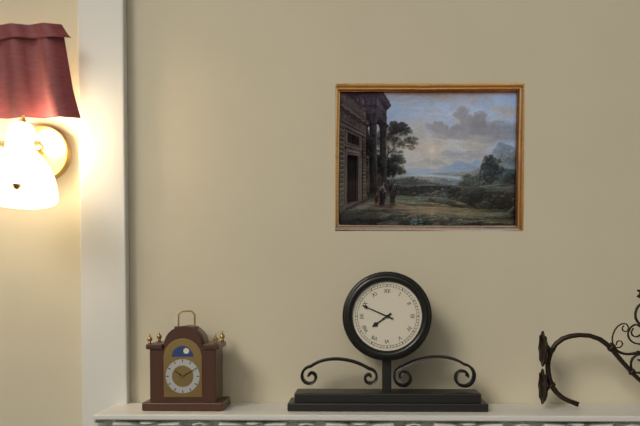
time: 7:49
